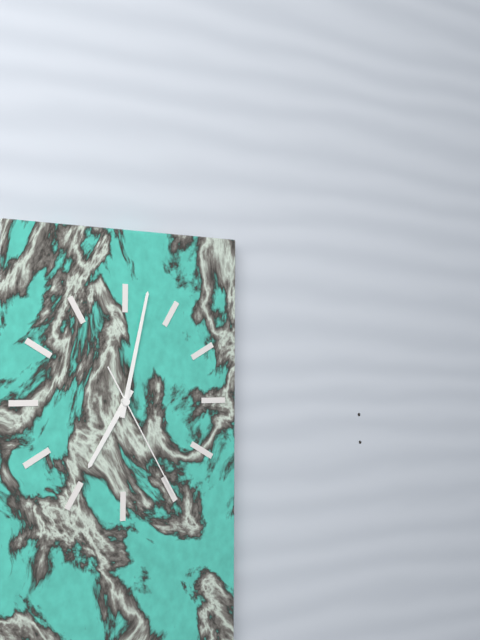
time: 7:02:25
